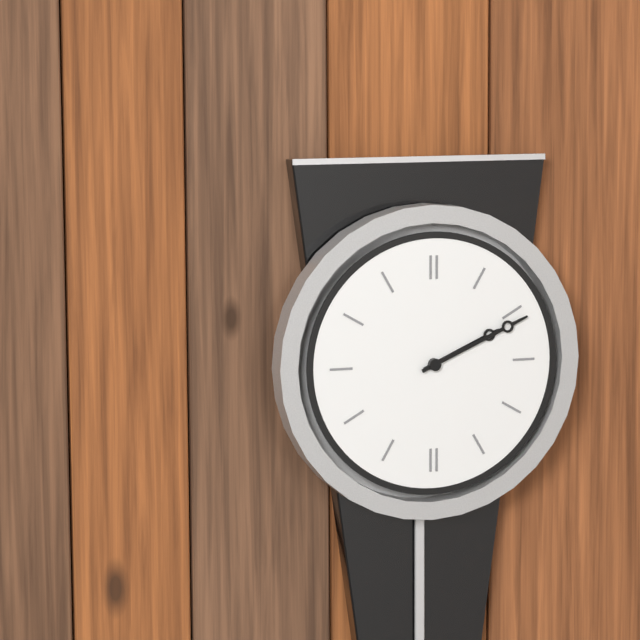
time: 2:11
